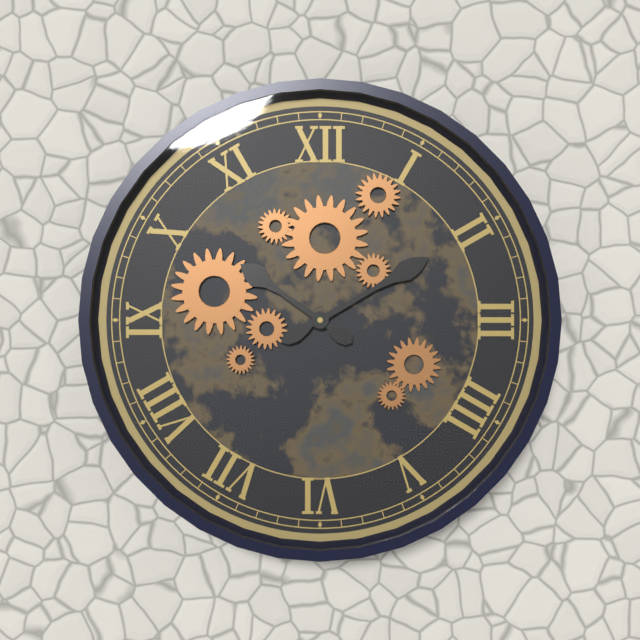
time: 10:10
